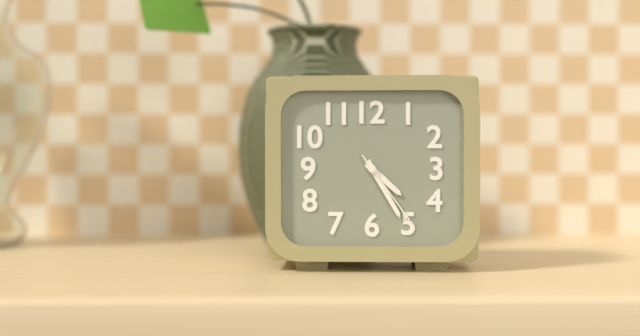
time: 4:25:24
